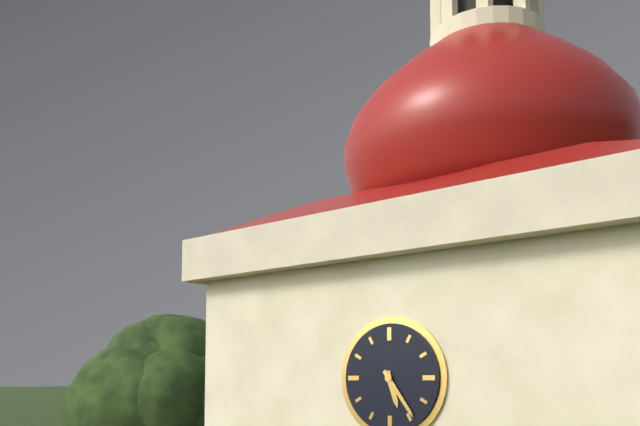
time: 5:24
